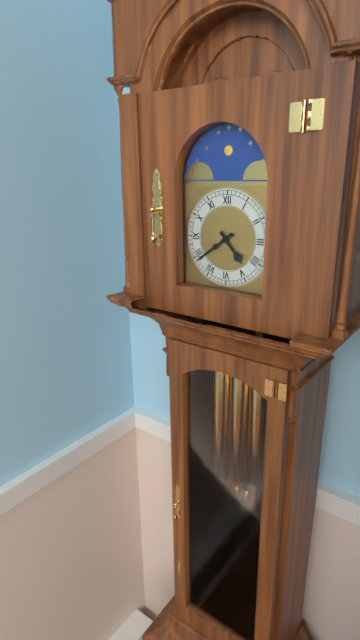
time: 4:39
